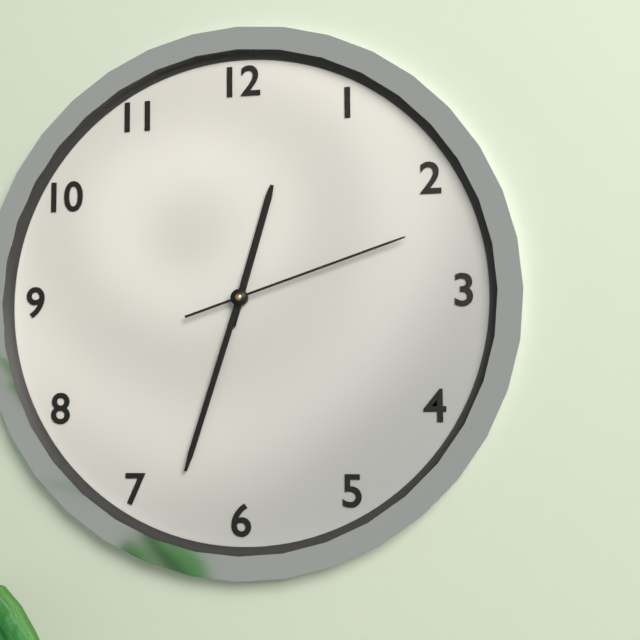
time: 12:33:12
